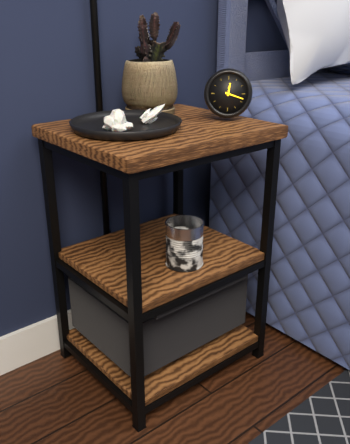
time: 12:18
